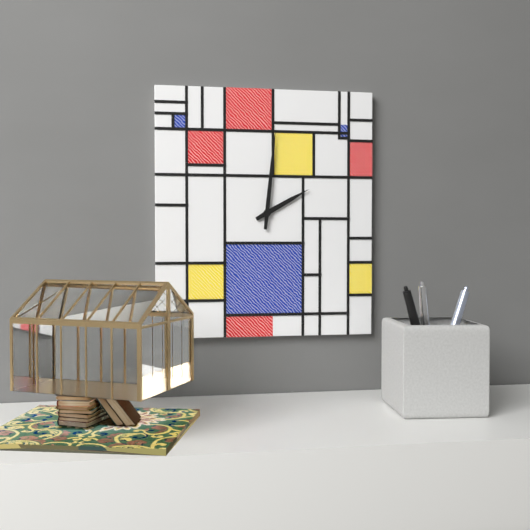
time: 2:01
